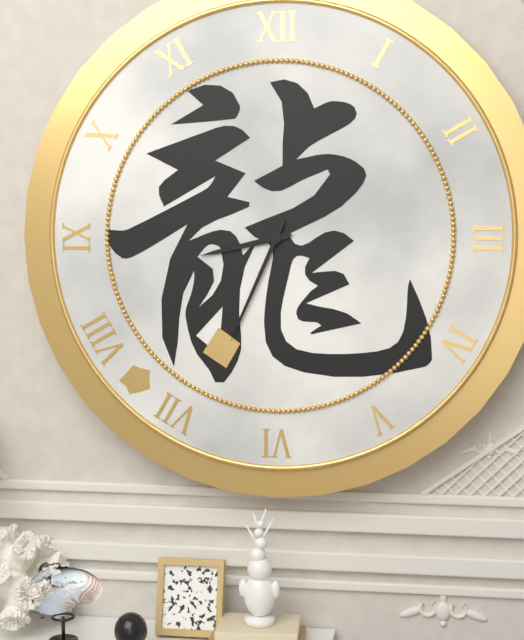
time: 8:34
